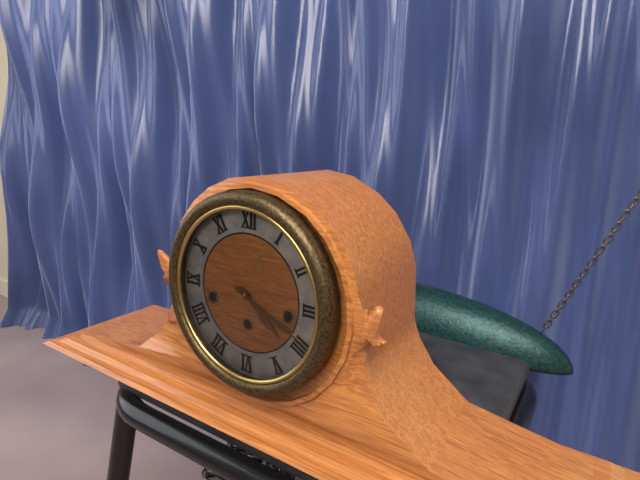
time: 4:19
